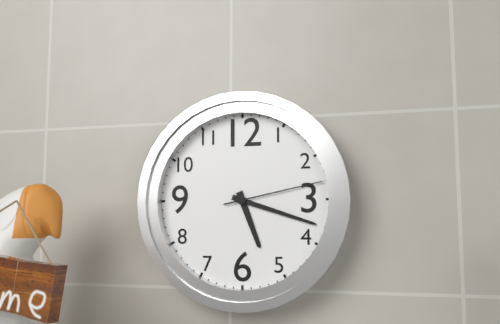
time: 5:18:13
